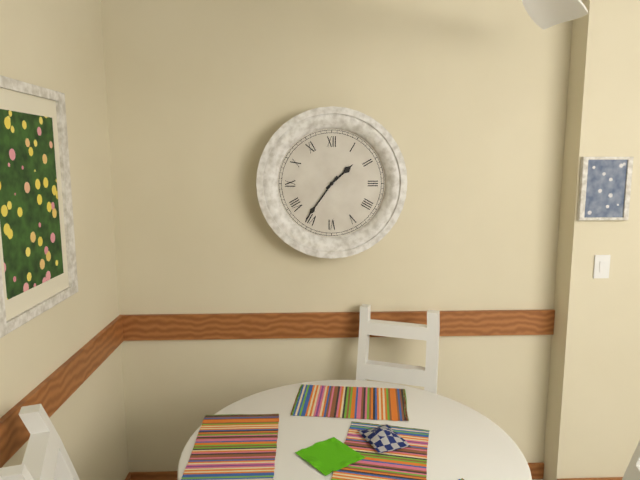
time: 1:36
